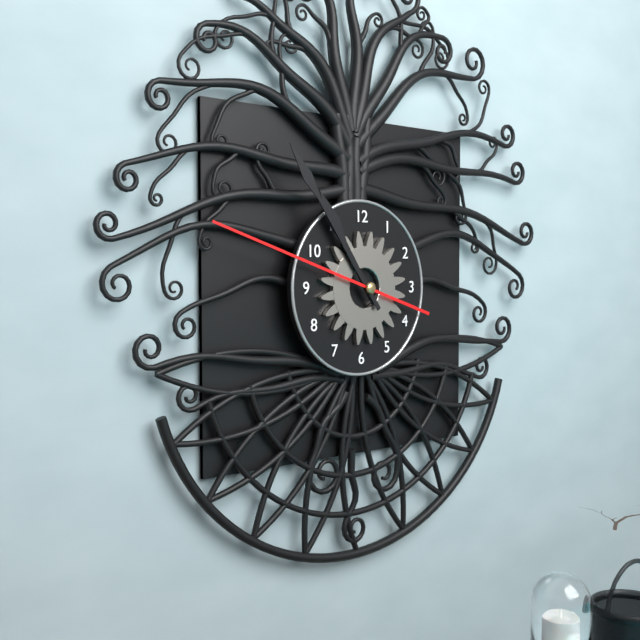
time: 10:54:48
